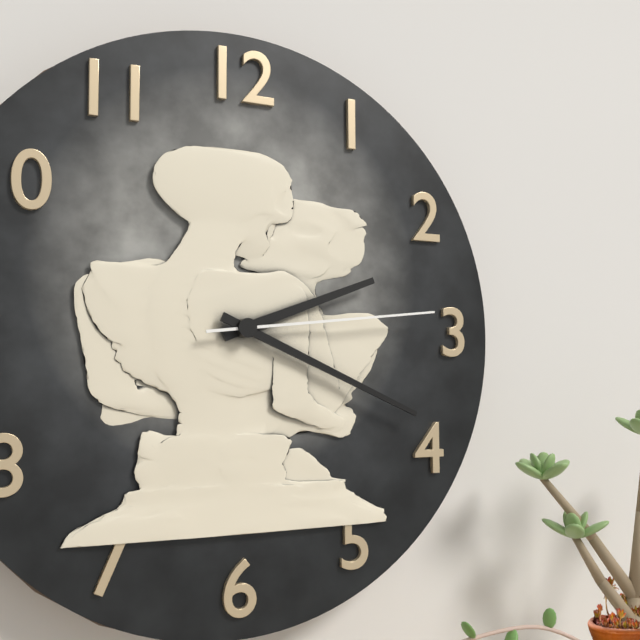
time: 2:19:14
